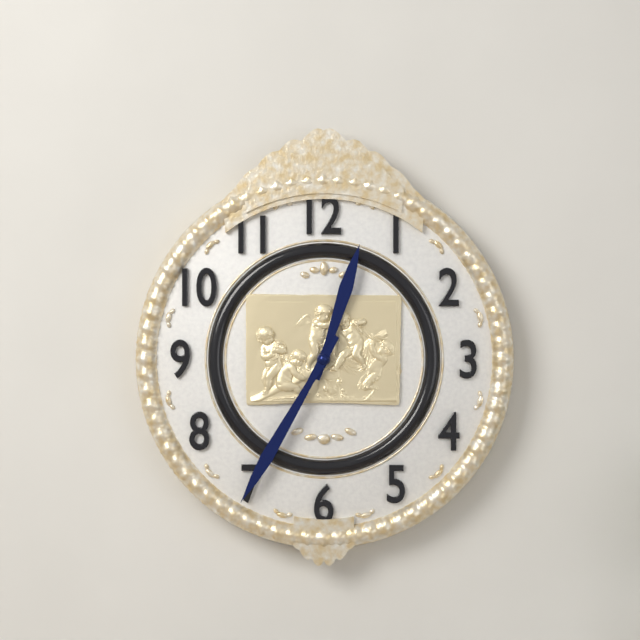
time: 12:35
